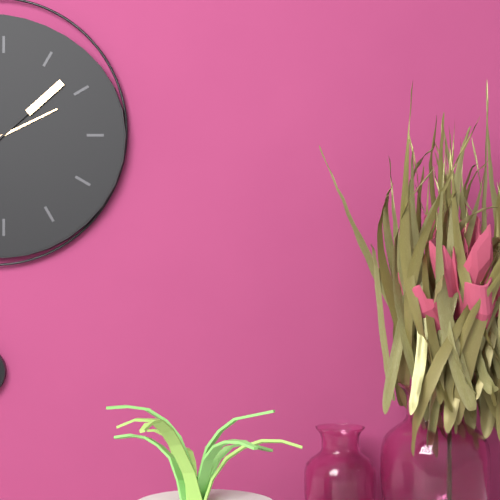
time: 2:08
